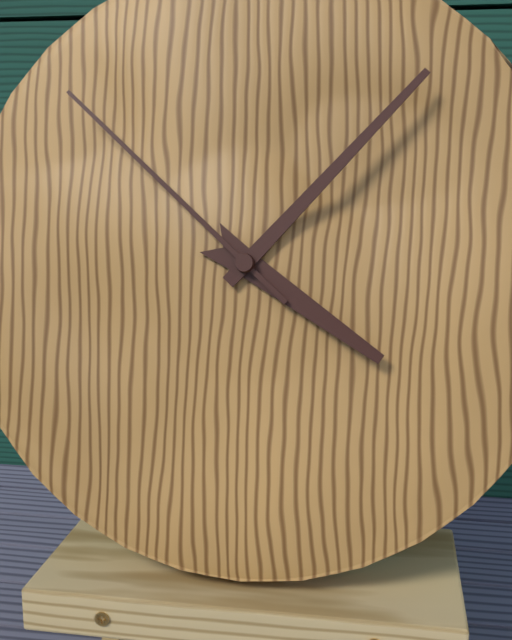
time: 4:07:52
